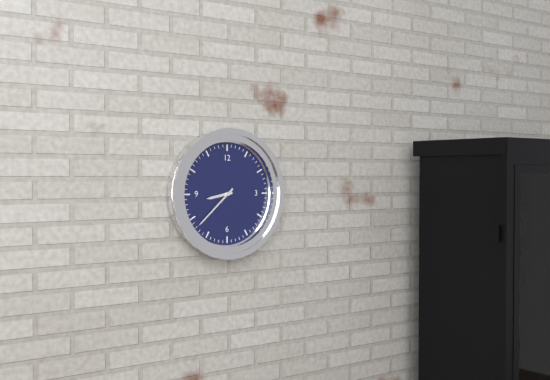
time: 8:38
